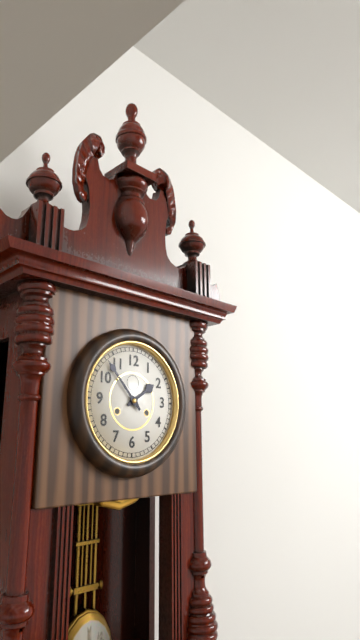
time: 1:53
